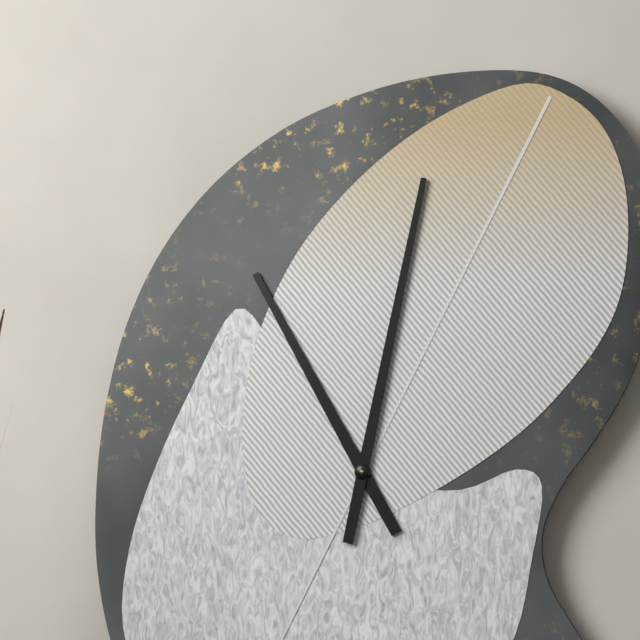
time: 11:02
